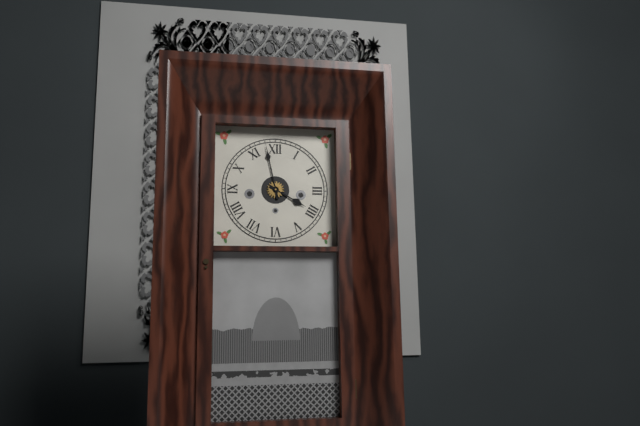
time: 3:58
